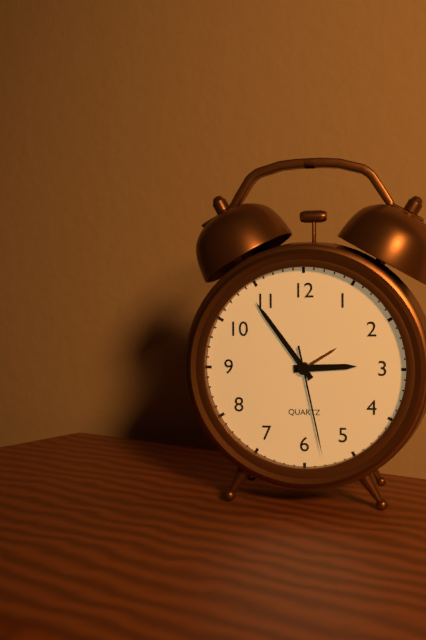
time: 2:54:28
